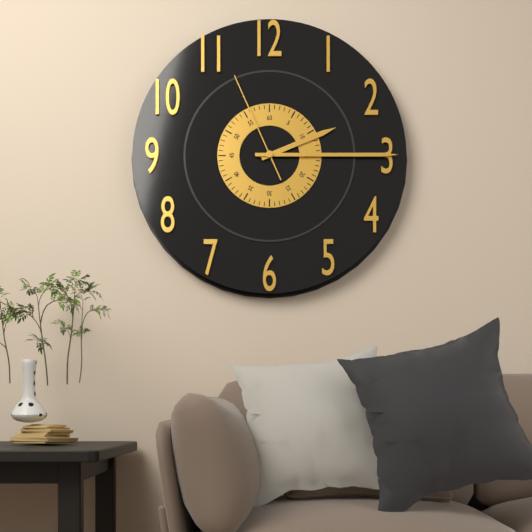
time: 2:15:56
